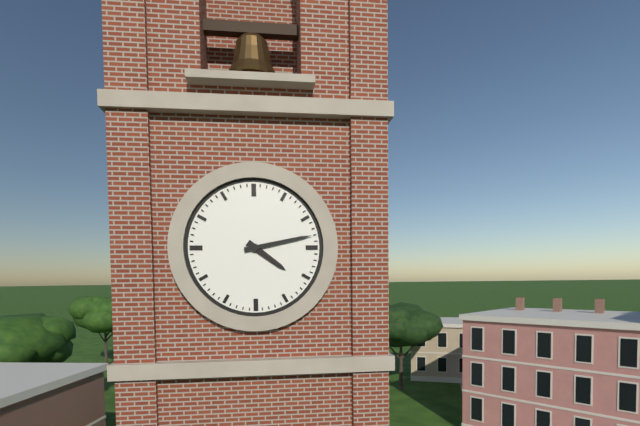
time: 4:13
